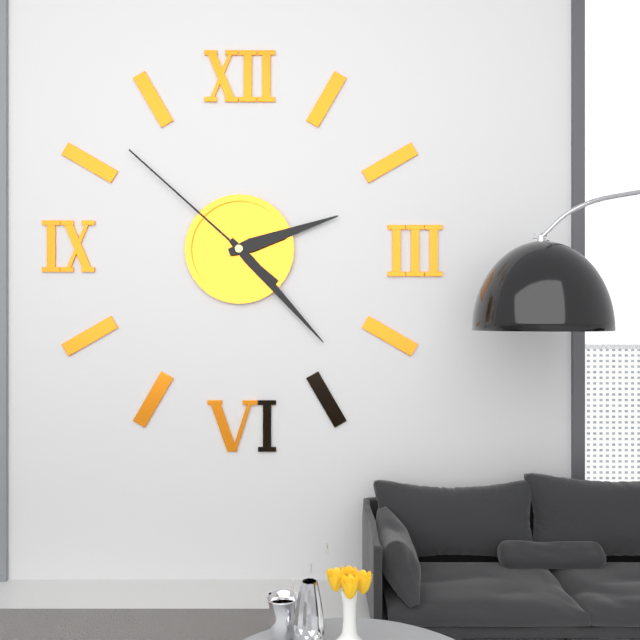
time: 2:23:52
